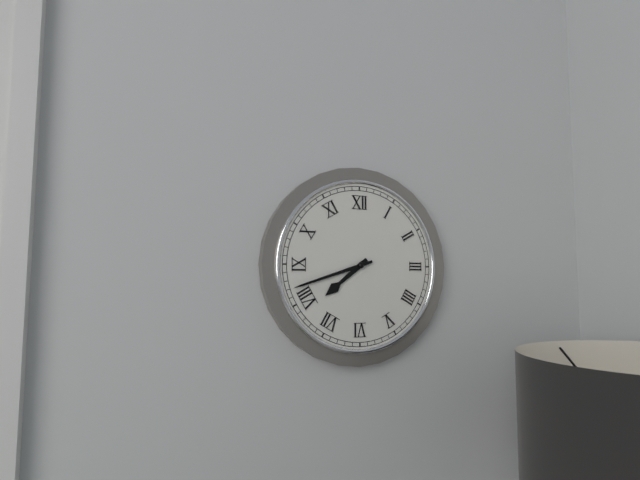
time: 7:42
